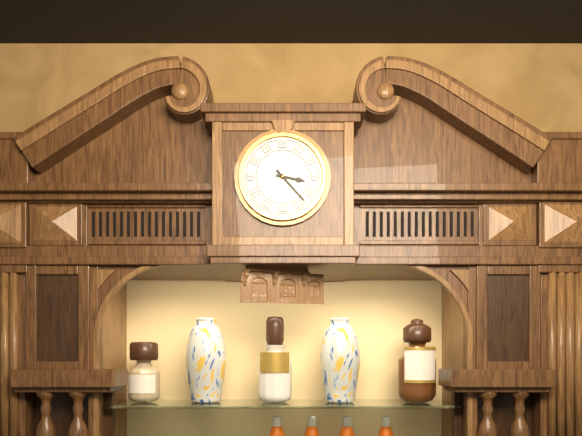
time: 3:23
